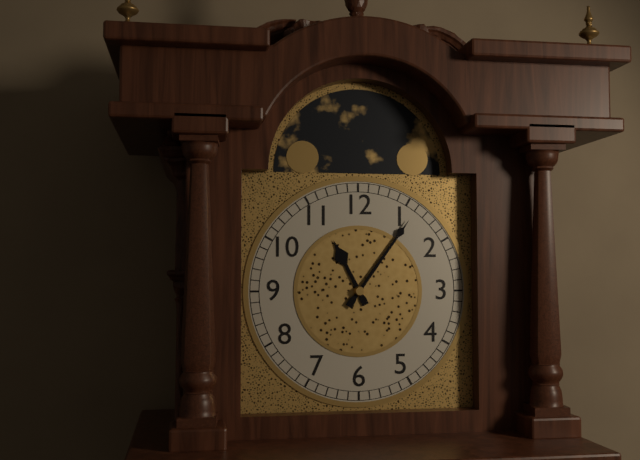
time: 11:06
